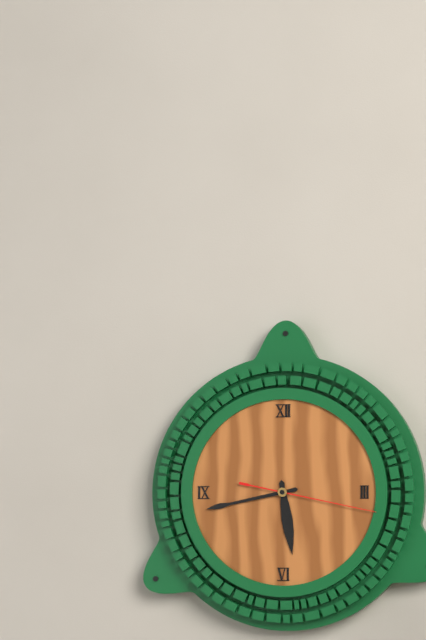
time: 5:43:17
